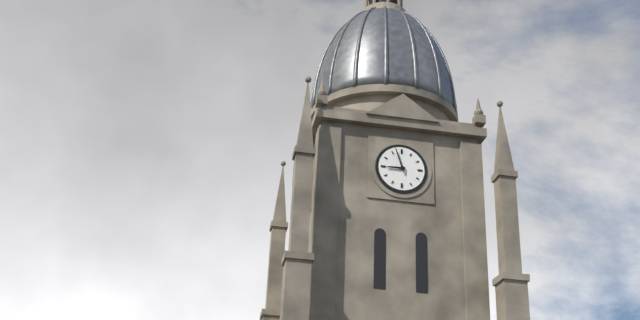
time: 8:57
